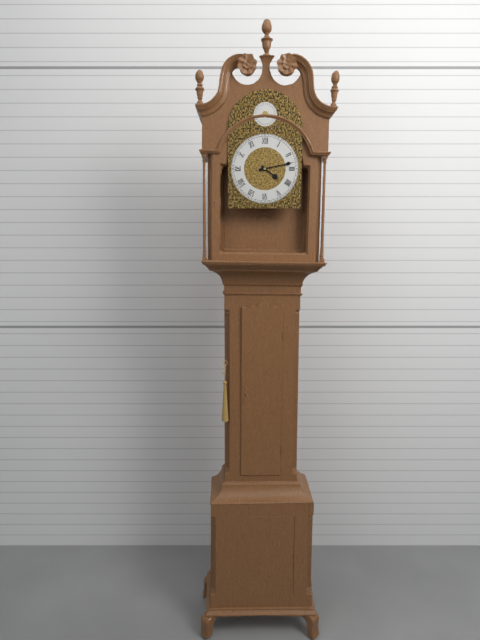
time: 4:13
